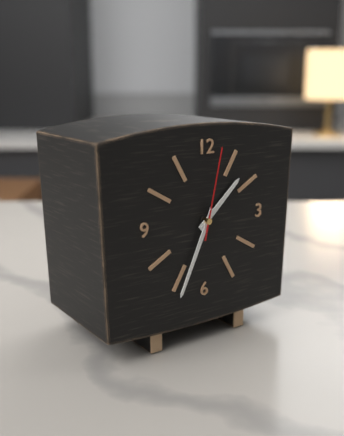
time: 1:34:02
